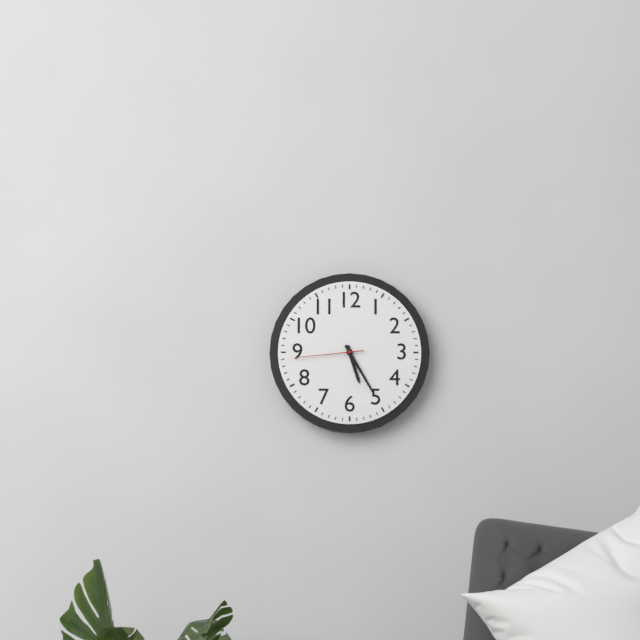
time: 5:25:44
